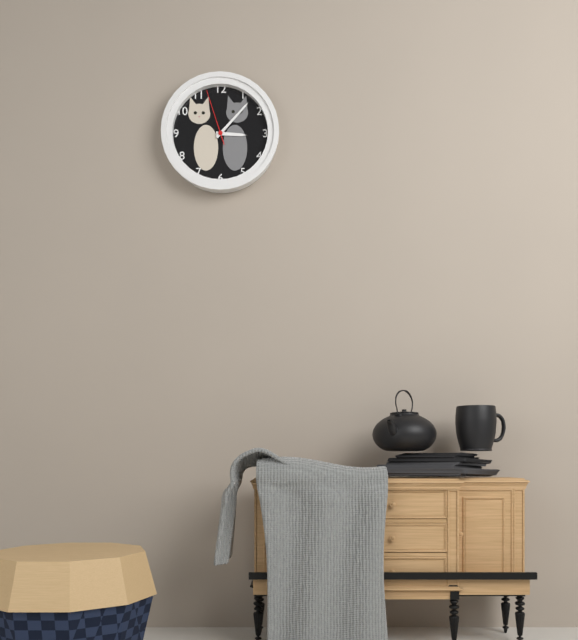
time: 3:07:57
